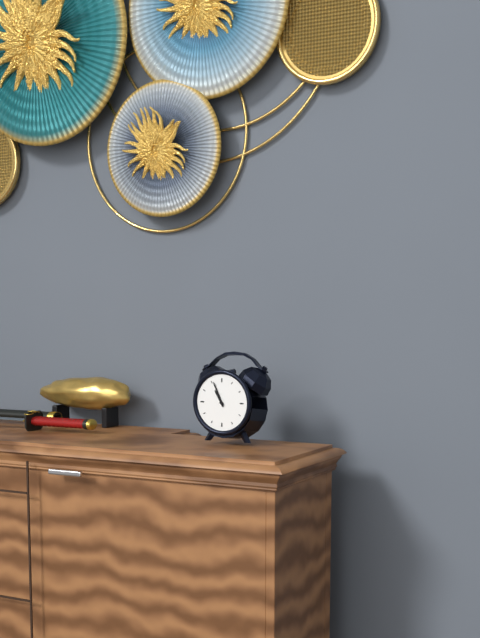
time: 10:56
